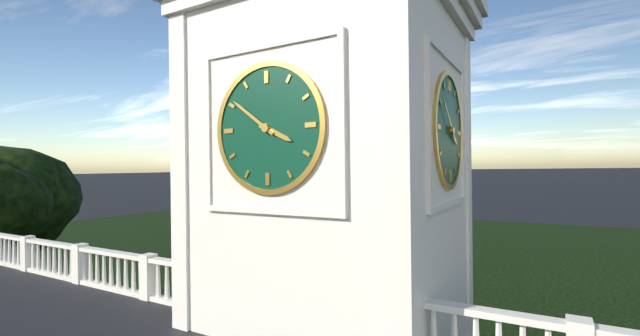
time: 3:51
